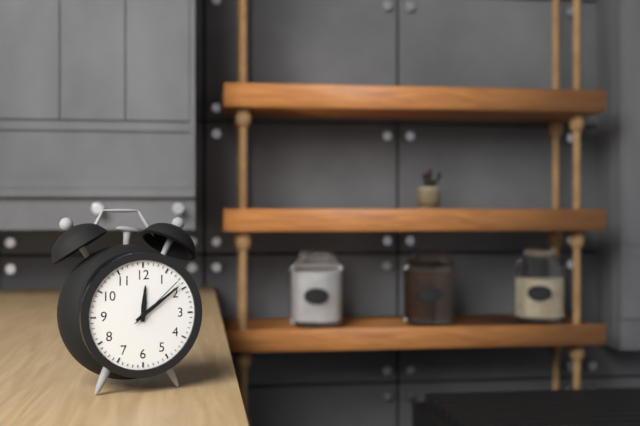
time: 12:09:08
